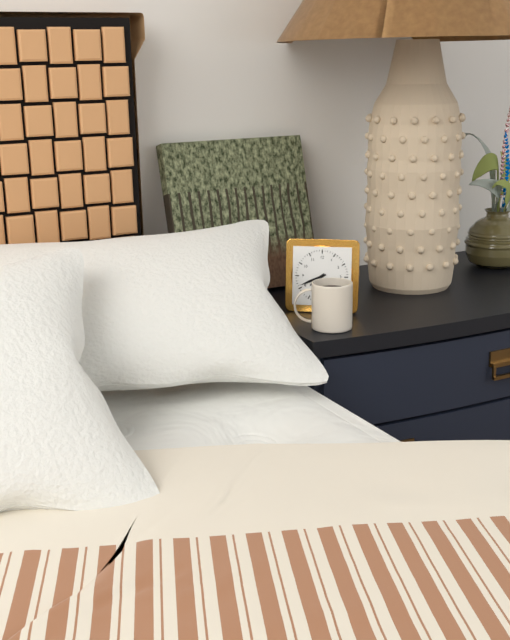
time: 7:41
